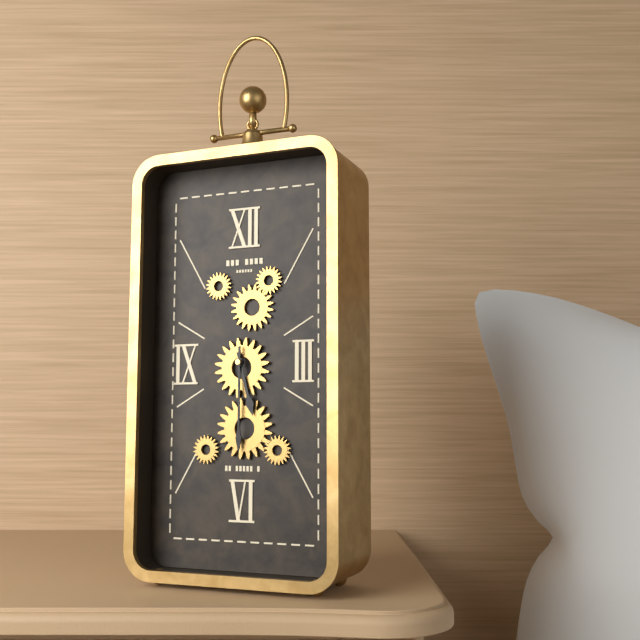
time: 5:30
